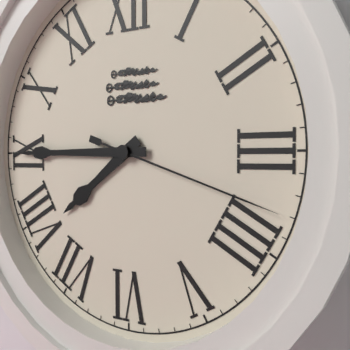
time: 7:45:18
